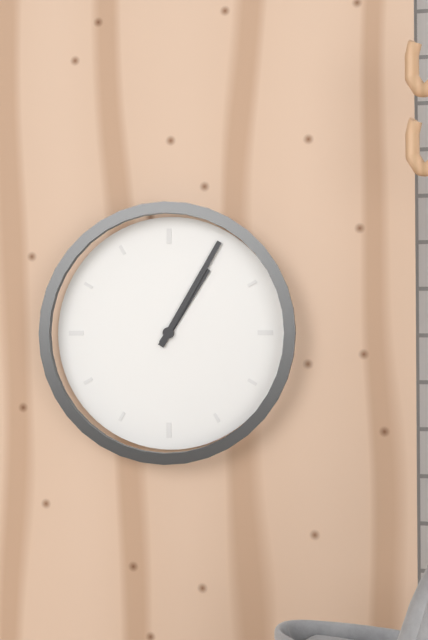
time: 1:05
